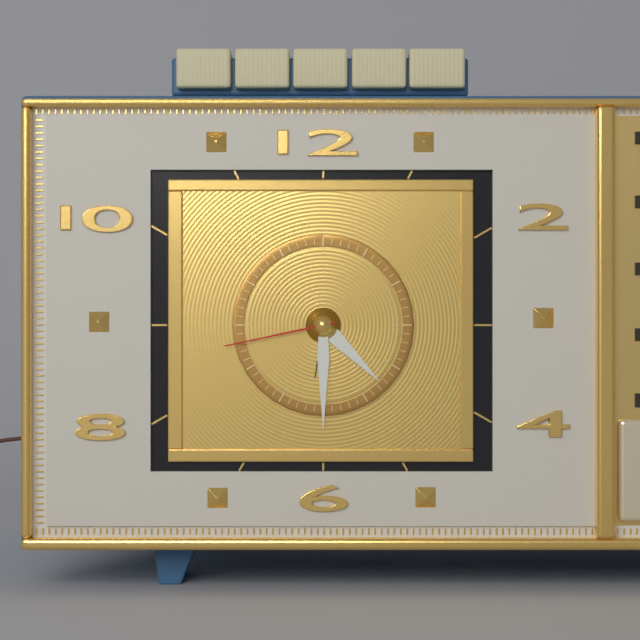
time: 4:30:43
